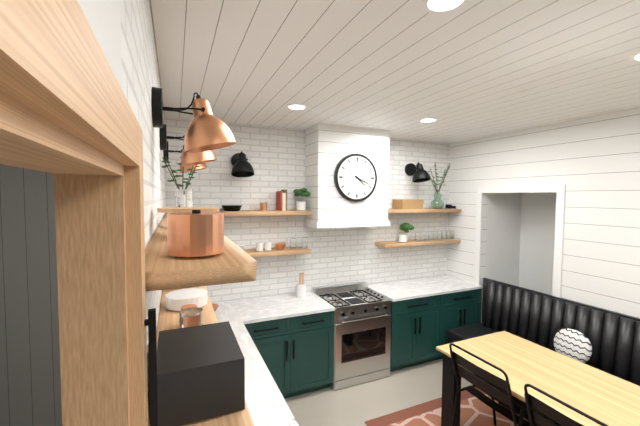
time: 4:19
